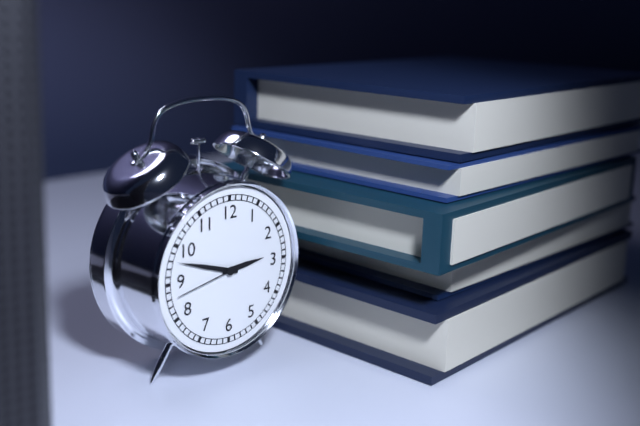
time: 2:48:43
